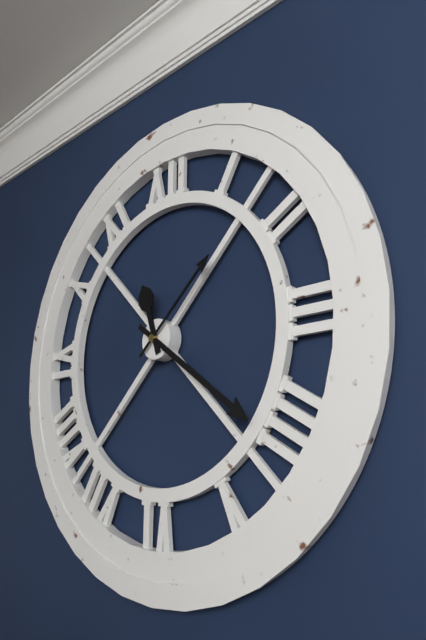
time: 11:21:08
